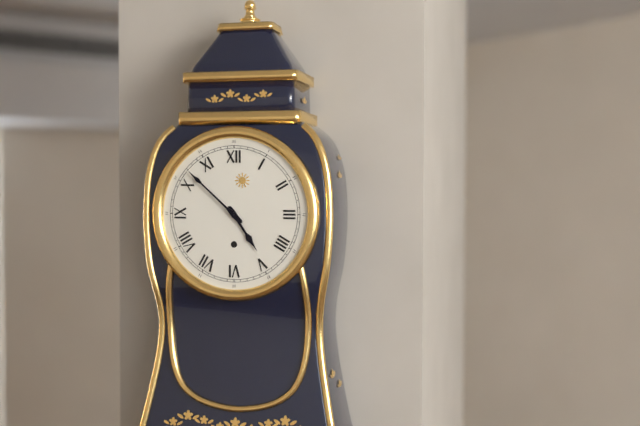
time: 4:52
